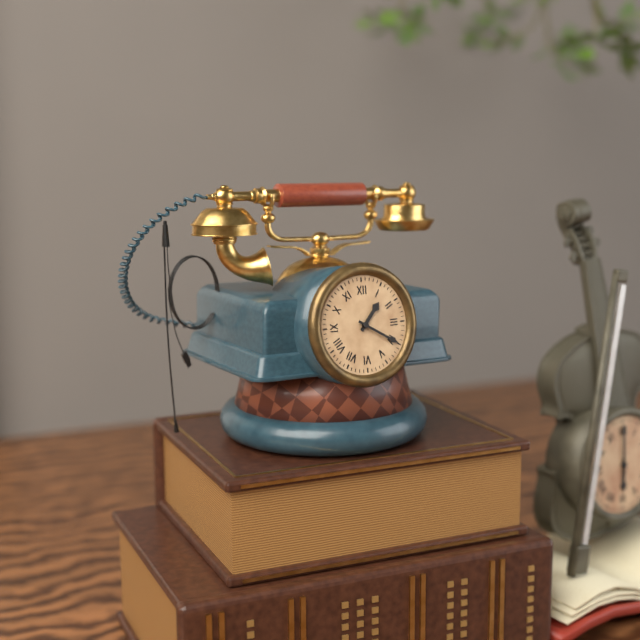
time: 1:20
